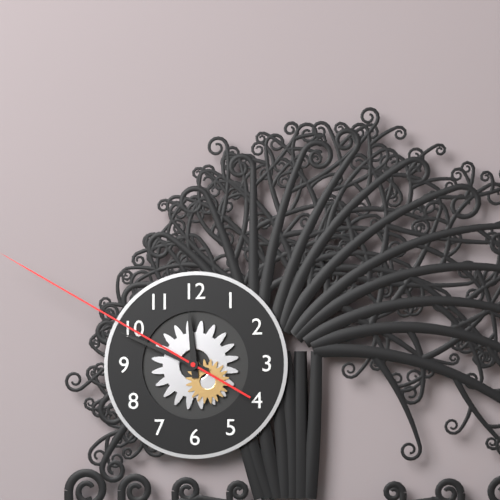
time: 11:49
